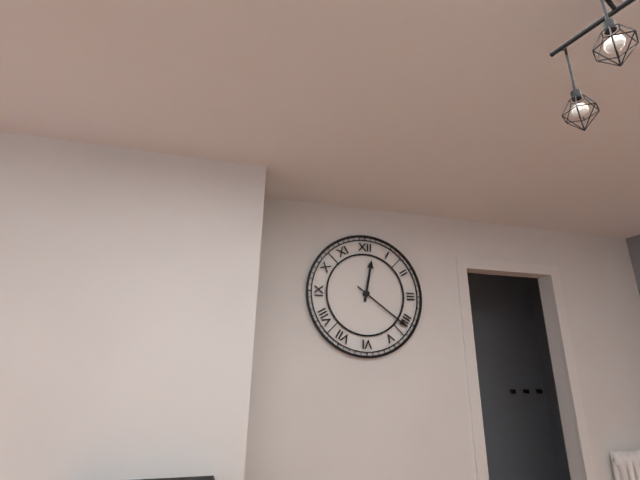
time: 12:21
